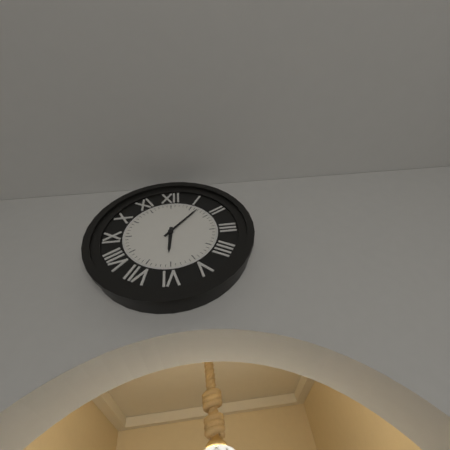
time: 6:07
